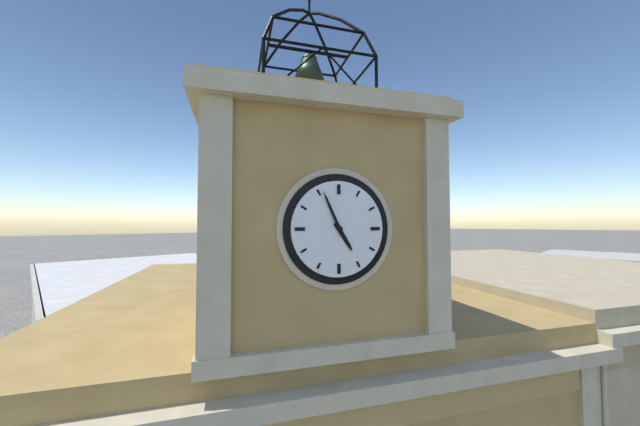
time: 4:56
